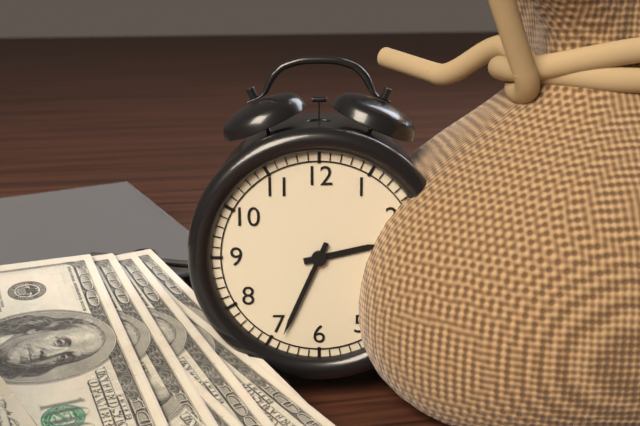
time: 2:34
